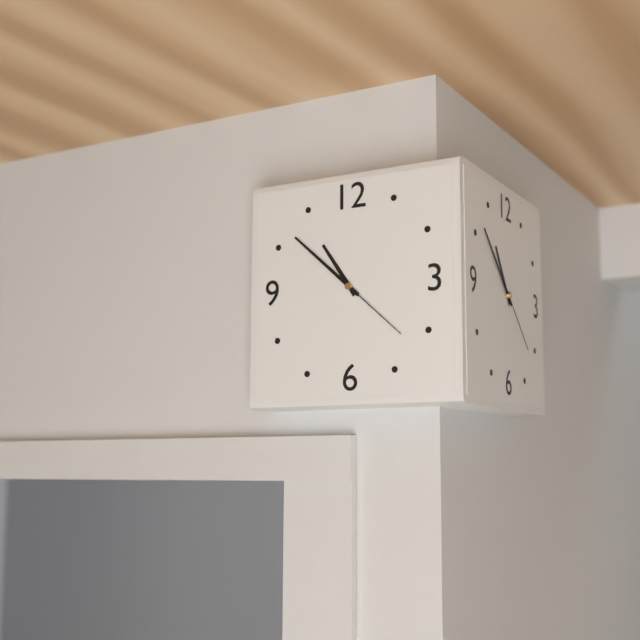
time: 10:52:22
